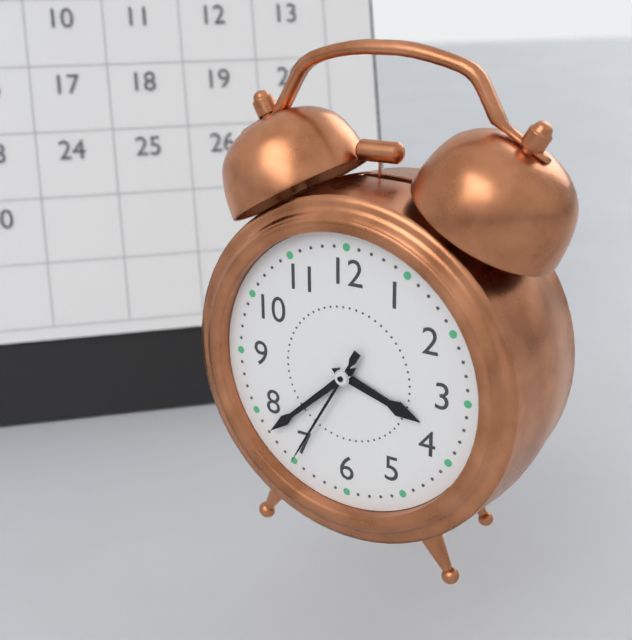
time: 3:38:35
